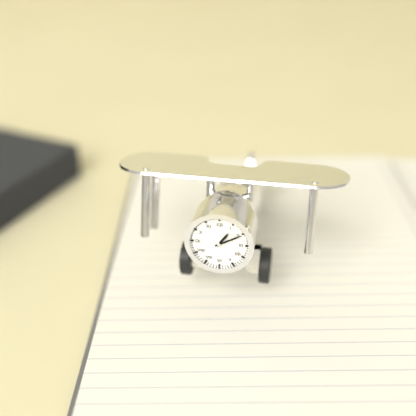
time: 1:10
